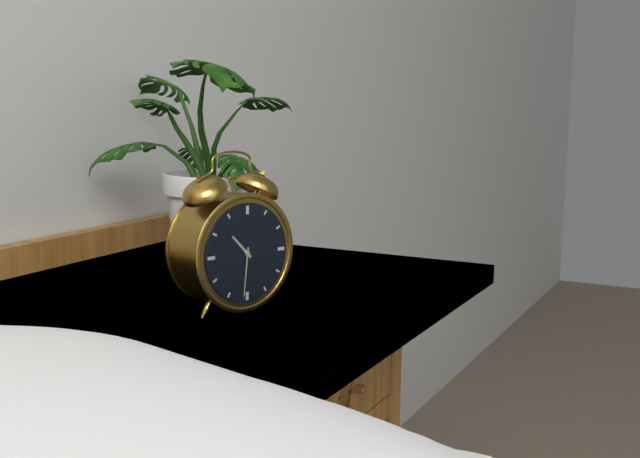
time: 10:31
